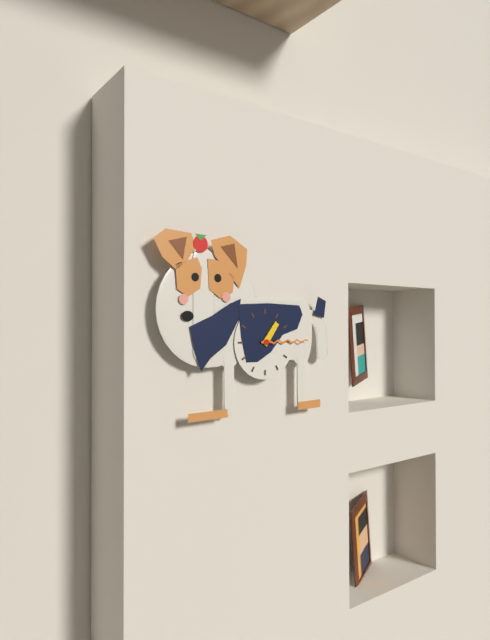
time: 1:15
